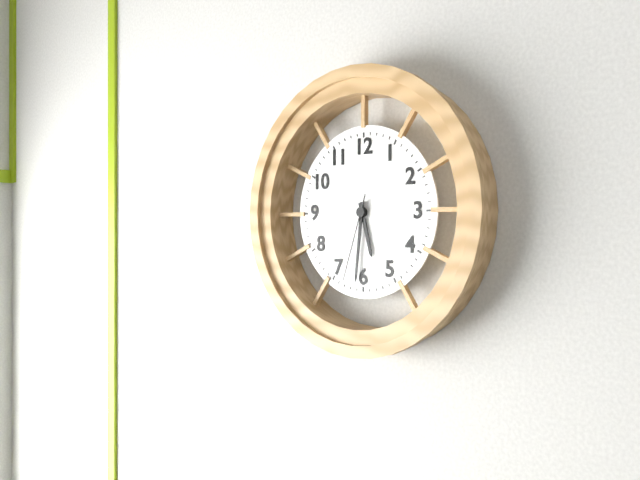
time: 5:31:33
